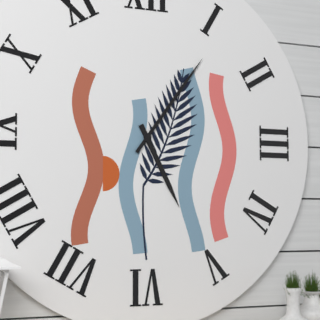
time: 5:06
